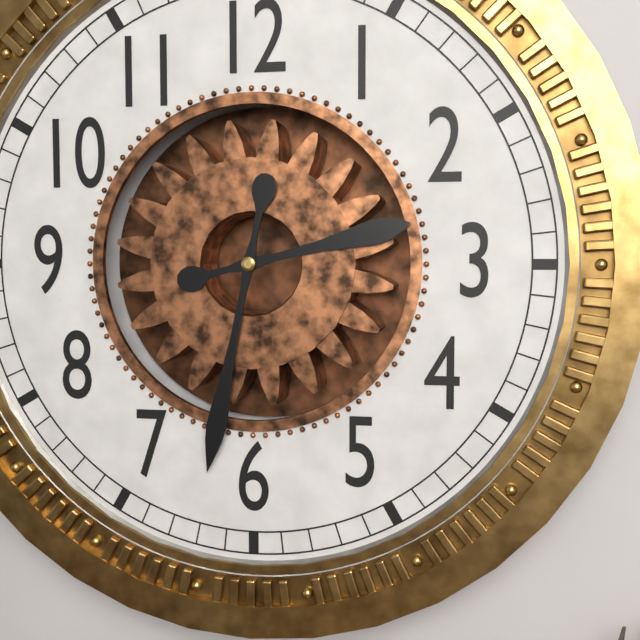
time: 2:32
